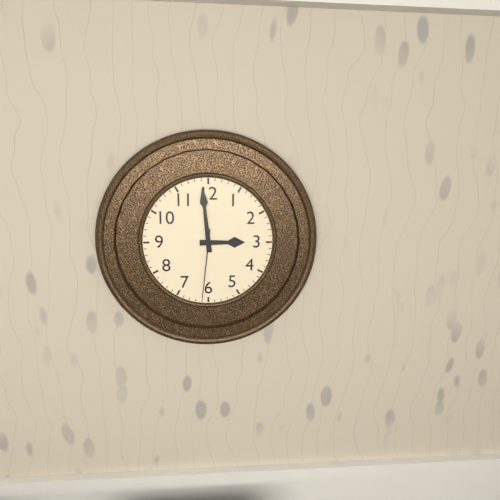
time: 2:59:31
